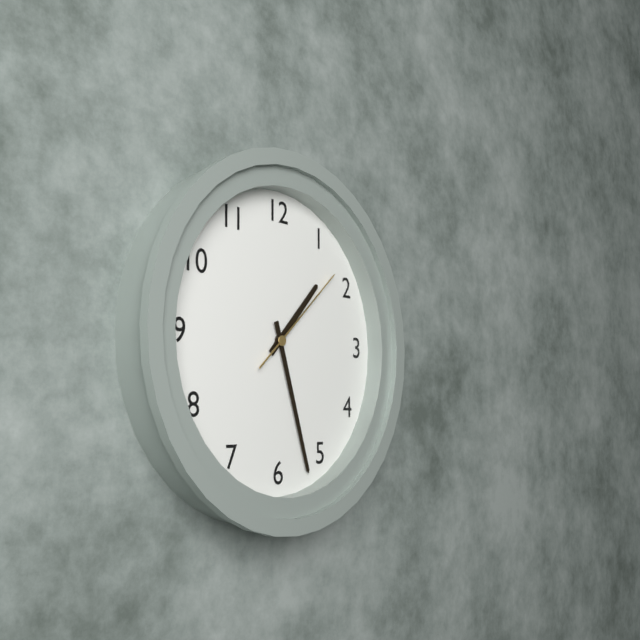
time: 1:27:08
